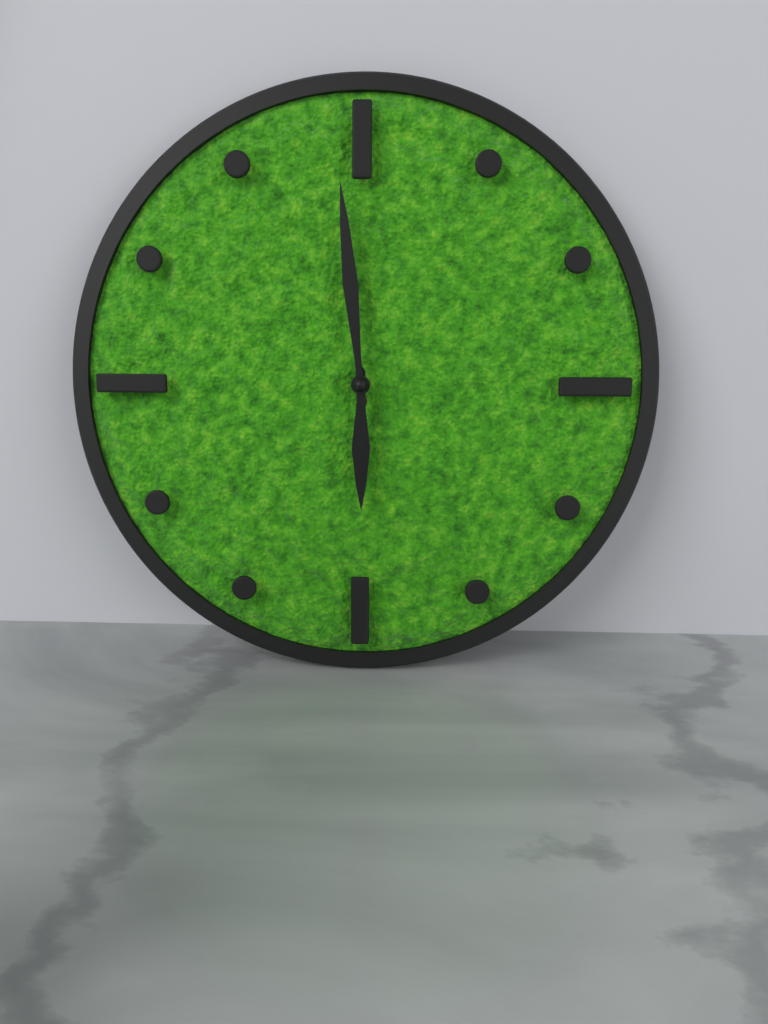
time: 5:59
